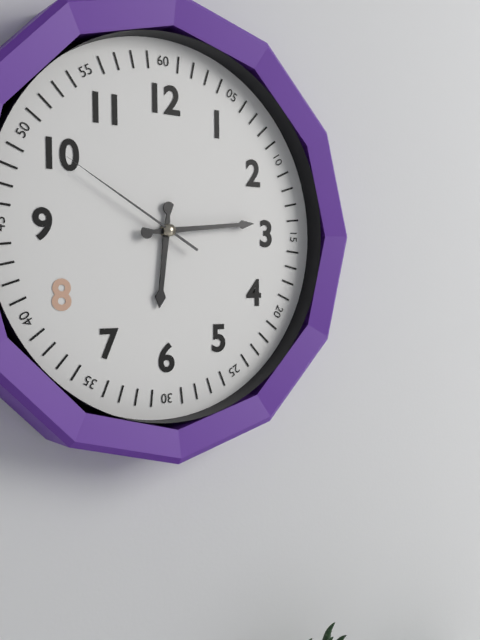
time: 6:14:50
